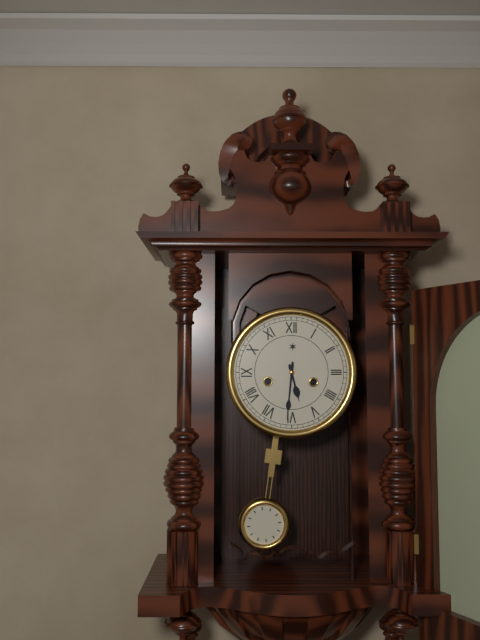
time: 5:31
